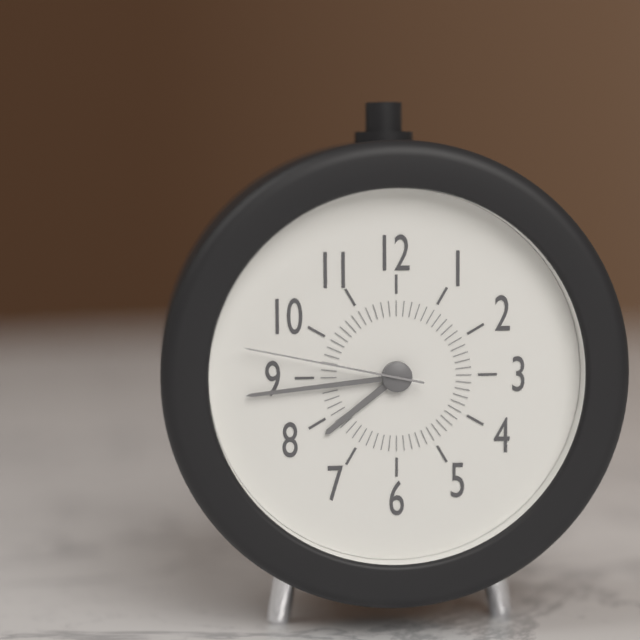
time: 7:44:47
